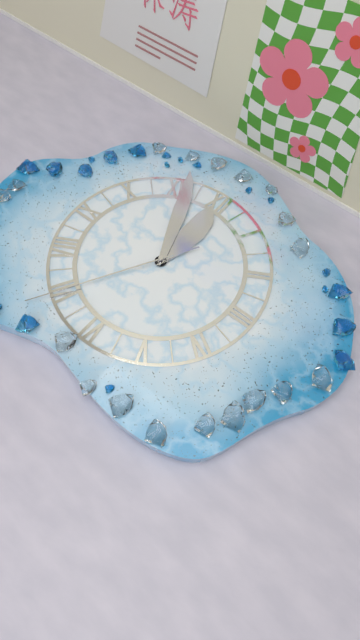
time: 11:56:35
